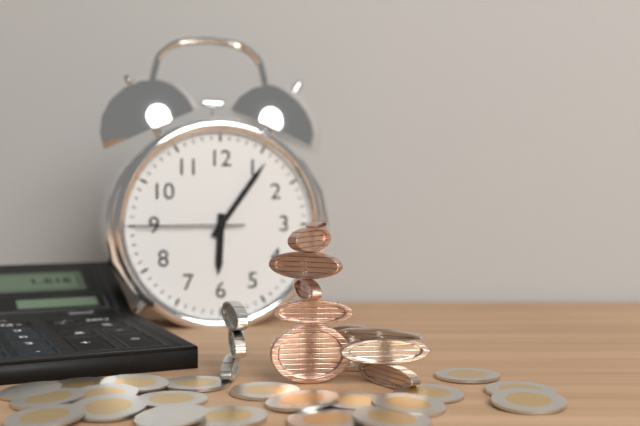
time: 6:06:45
